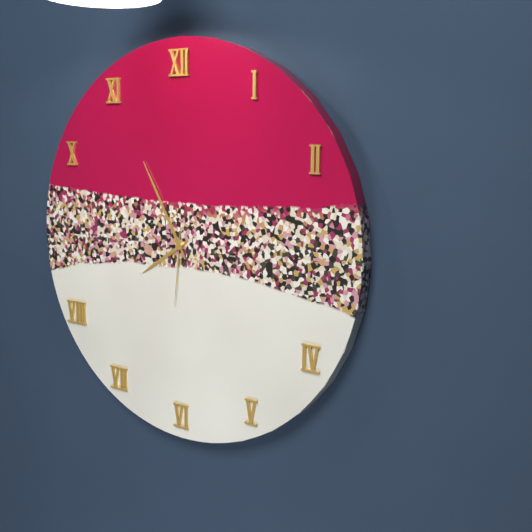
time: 7:55:31
